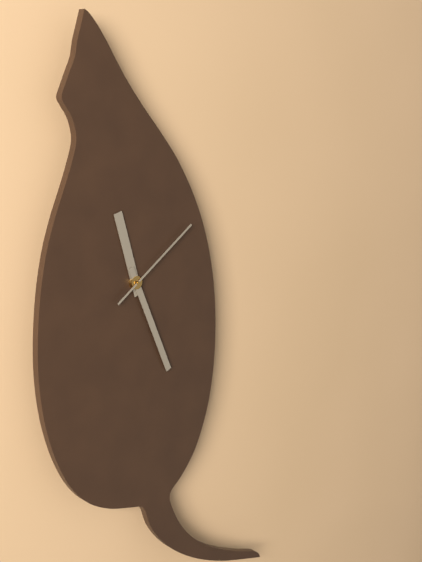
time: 11:26:09
